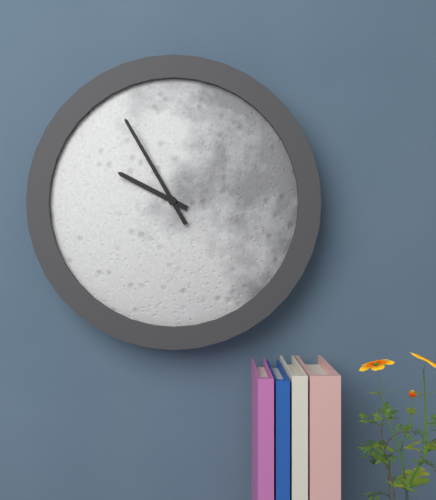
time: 9:55
